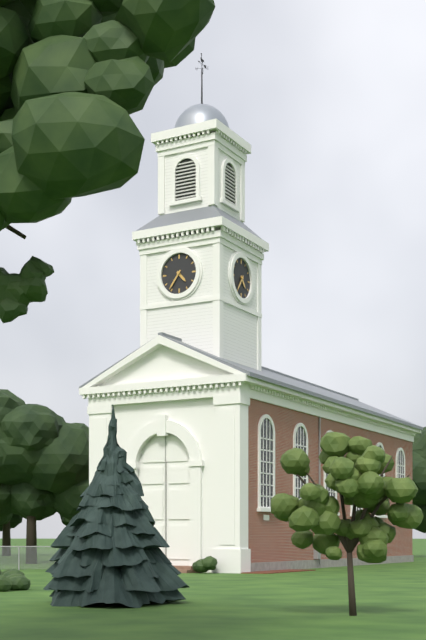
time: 4:36
